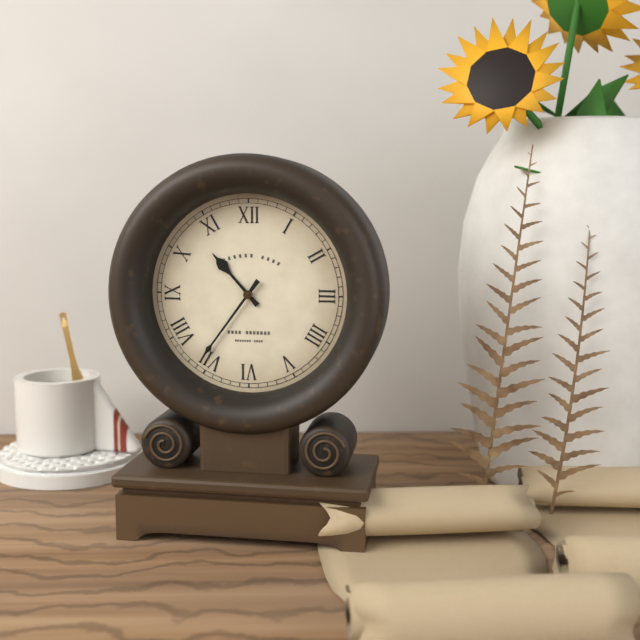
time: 10:36
